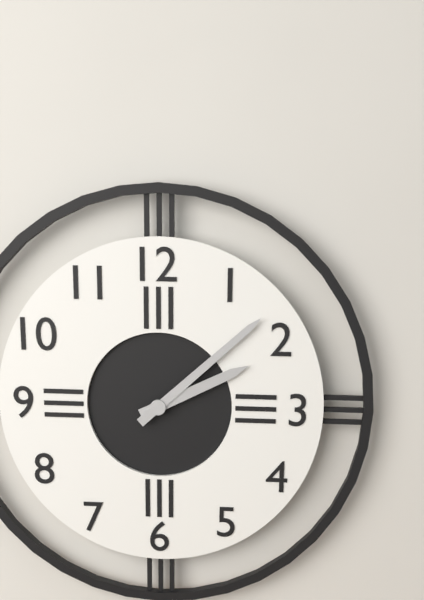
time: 2:08
